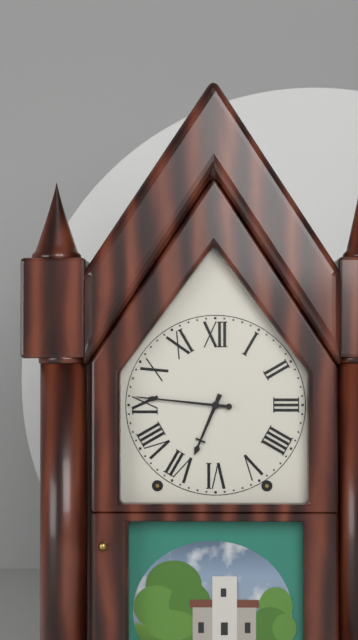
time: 6:46
